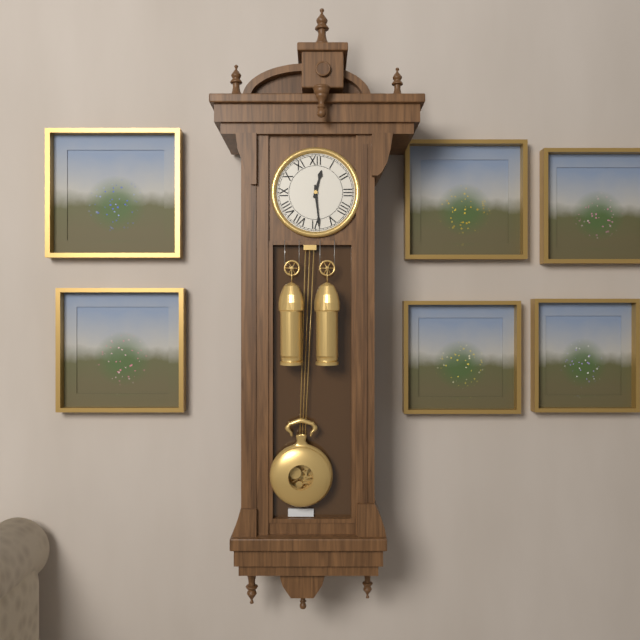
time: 12:29
